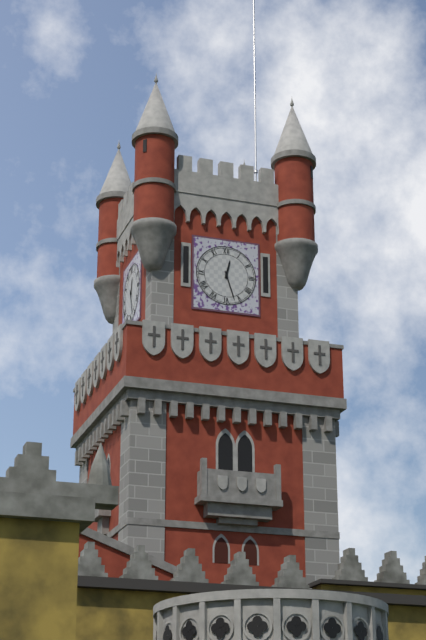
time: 12:27
